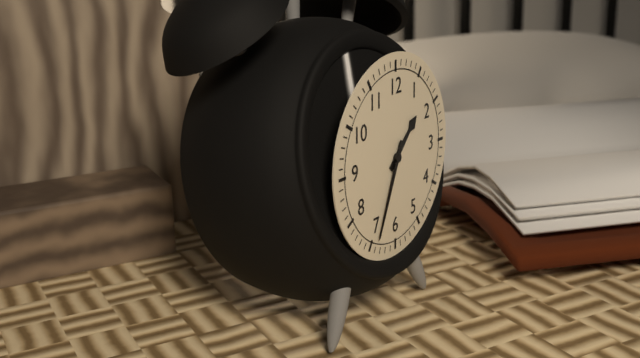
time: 1:34
